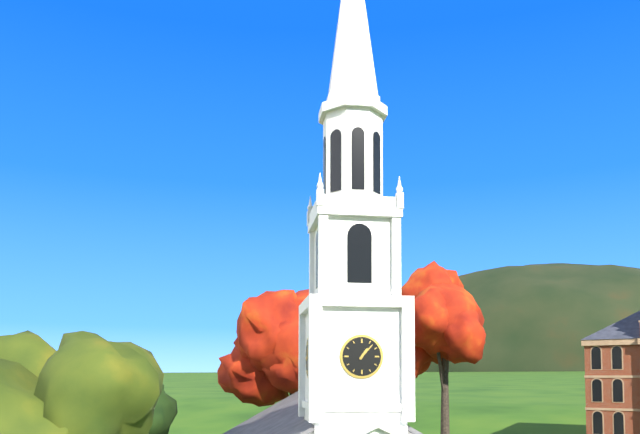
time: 1:07
